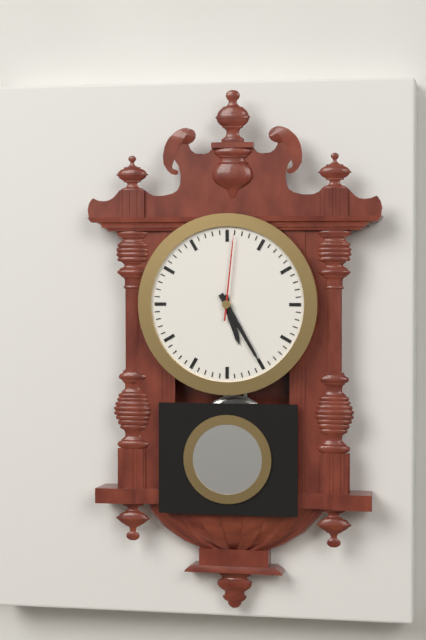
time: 5:25:01
